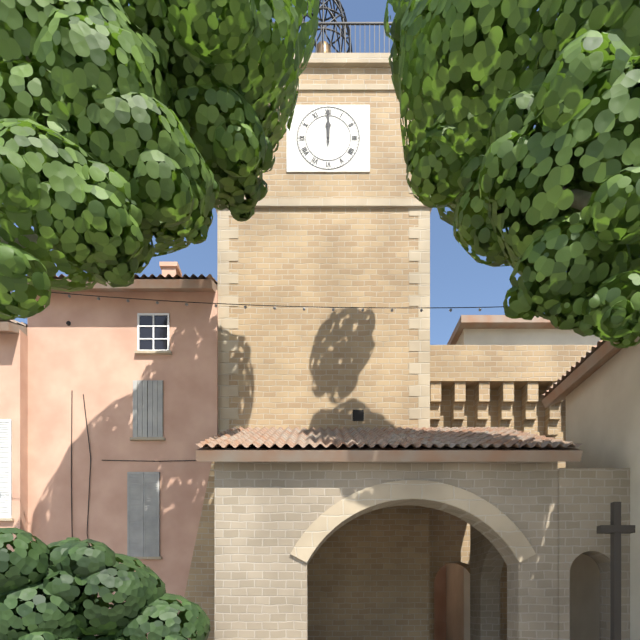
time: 12:00
